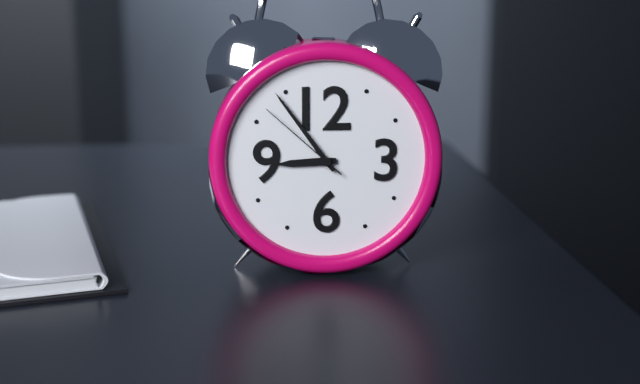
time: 8:54:52
